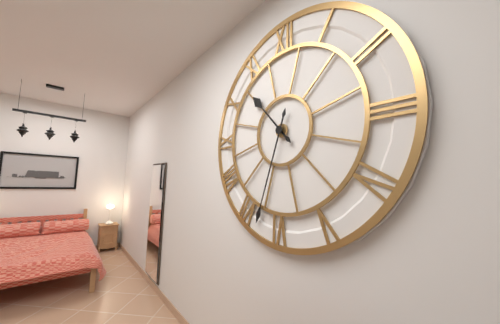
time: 10:33
